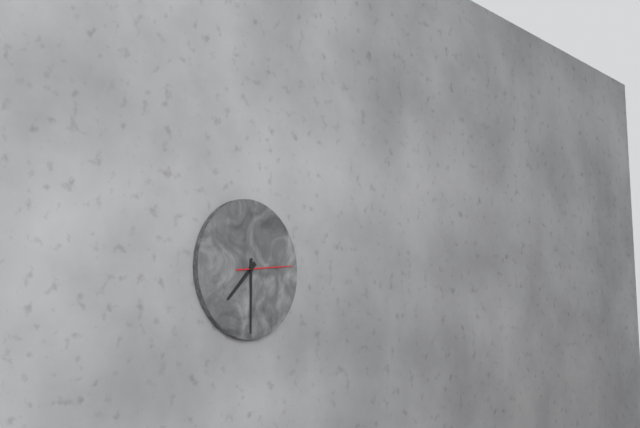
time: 7:30:14
